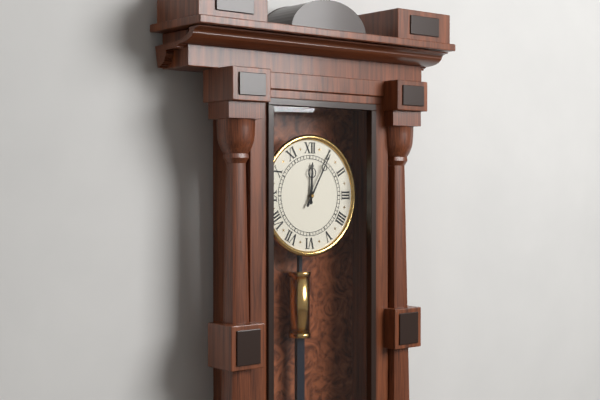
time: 12:05
